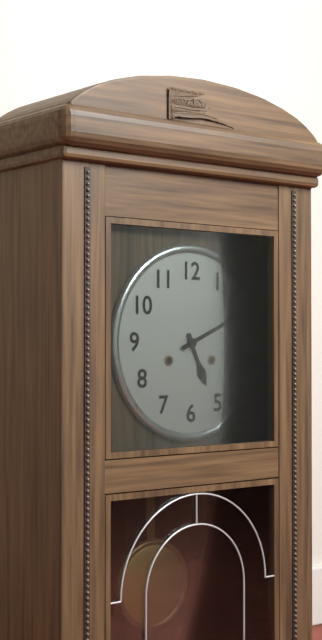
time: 5:11
